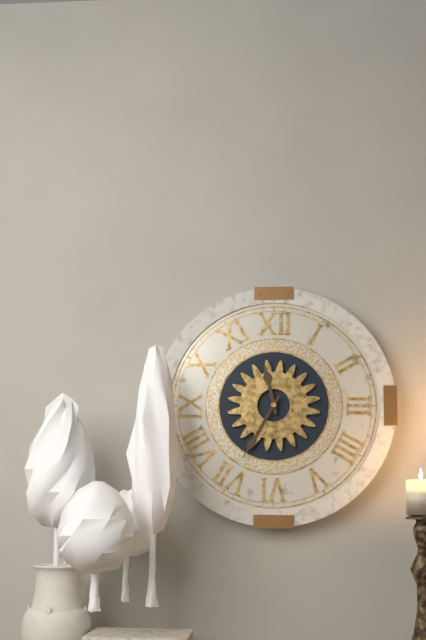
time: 11:35
